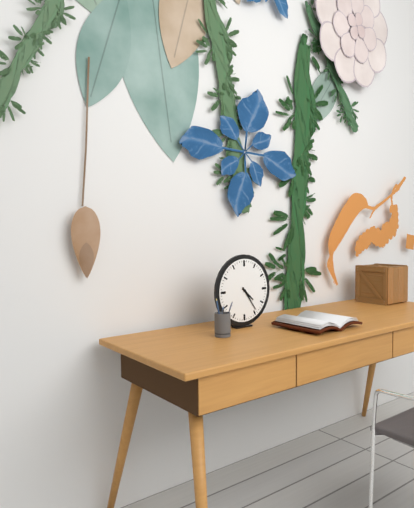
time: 4:24
